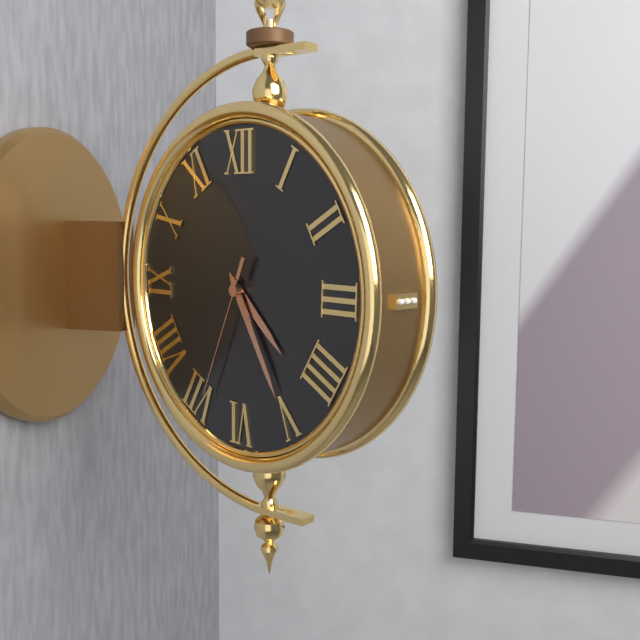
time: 4:25:34
